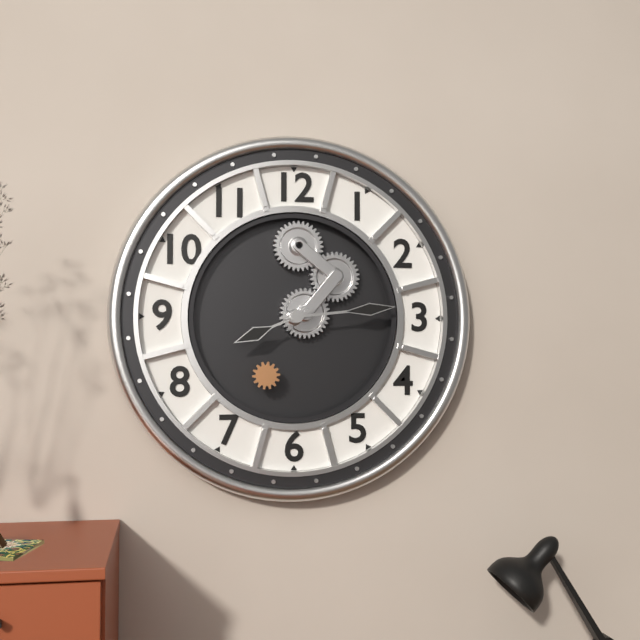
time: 8:14
